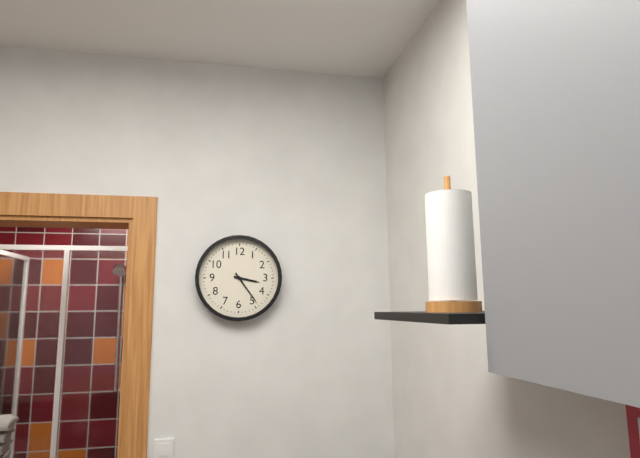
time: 3:24
